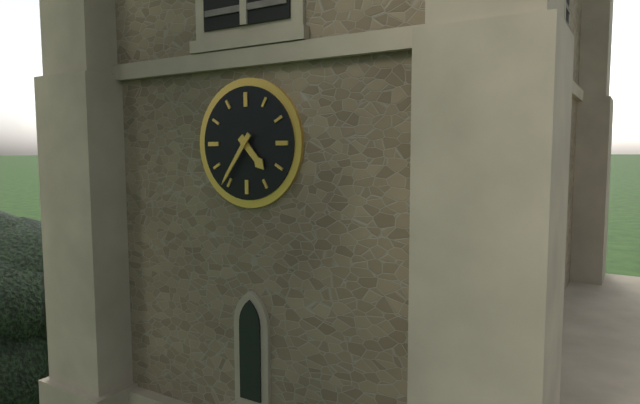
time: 4:36
